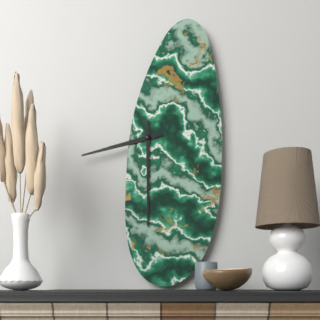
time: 8:30
